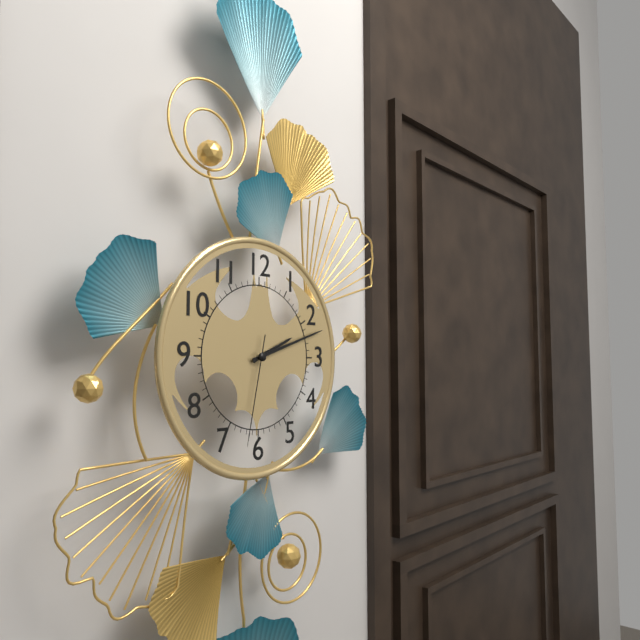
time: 2:12:32
